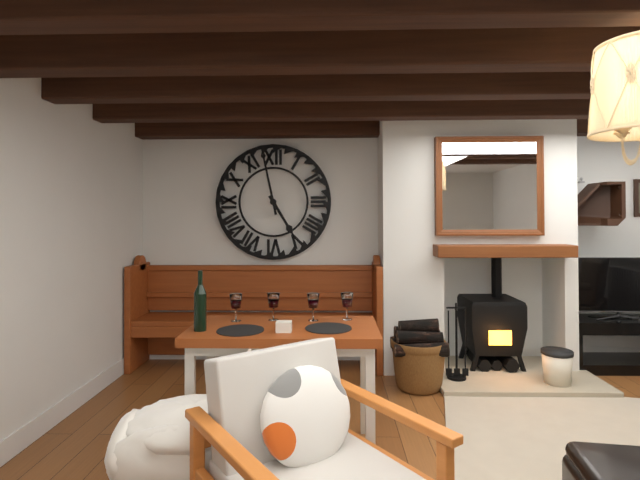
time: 4:58
